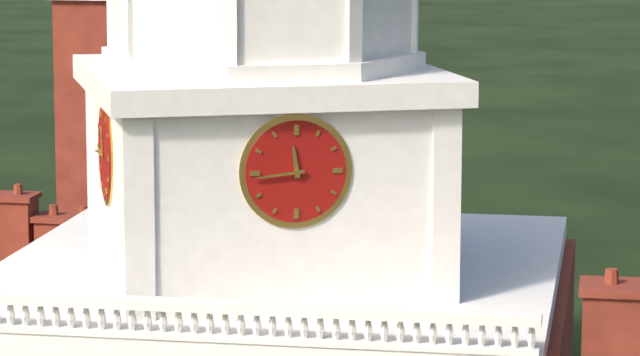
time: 11:44
